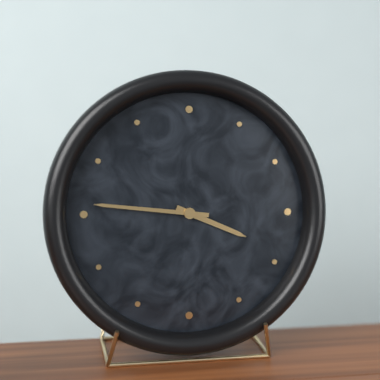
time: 3:46
